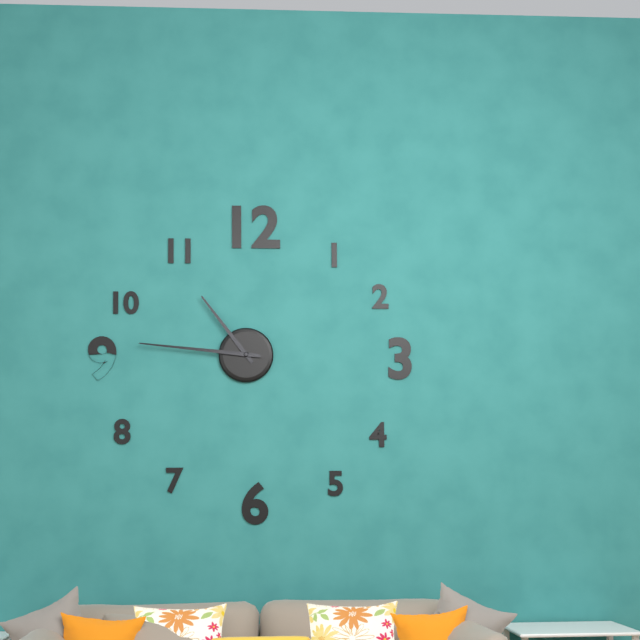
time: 10:46
